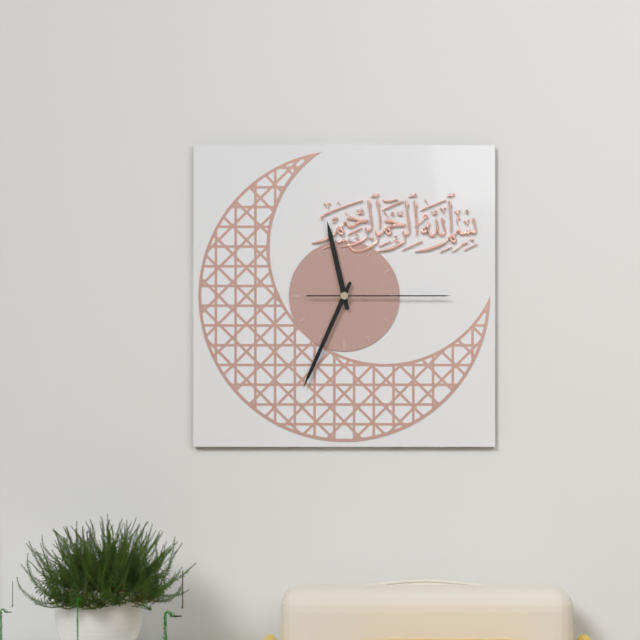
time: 11:34:15
